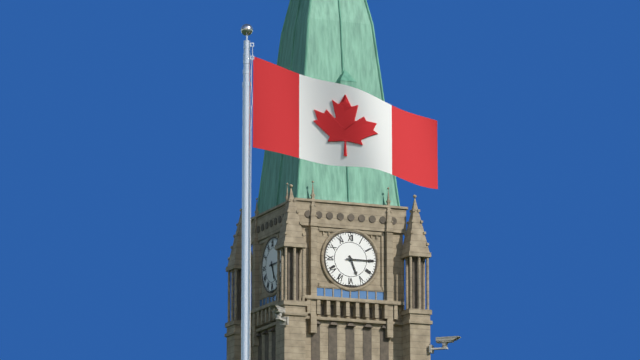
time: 5:15
